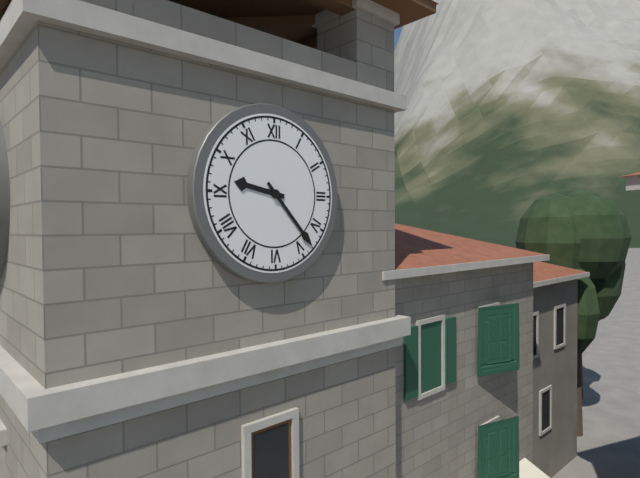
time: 9:23
